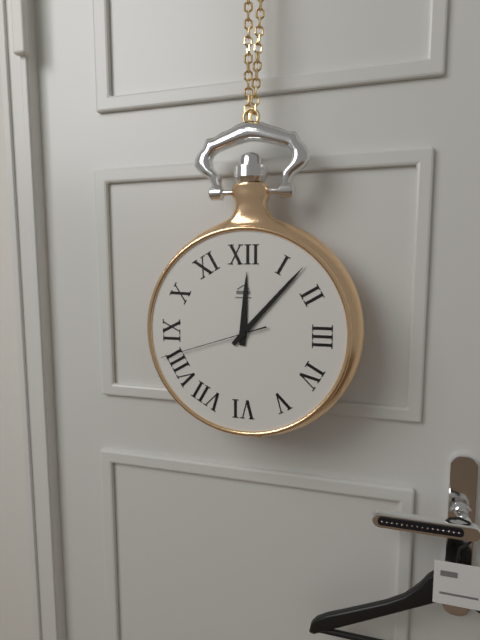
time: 12:07:42
